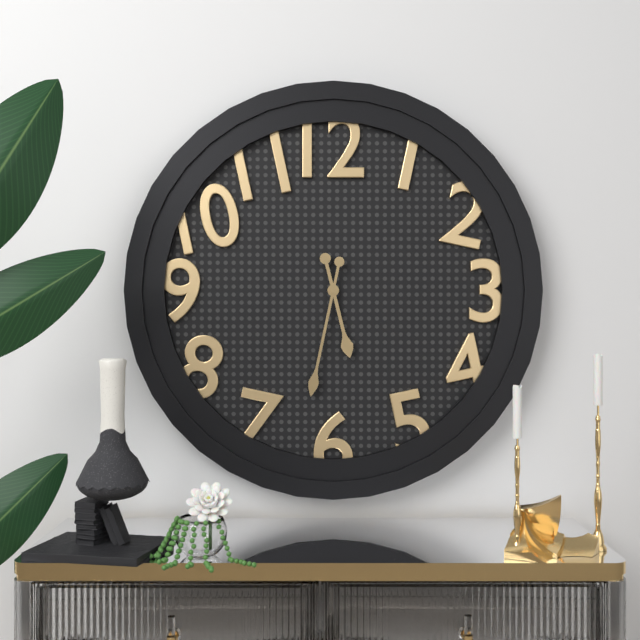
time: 5:32
